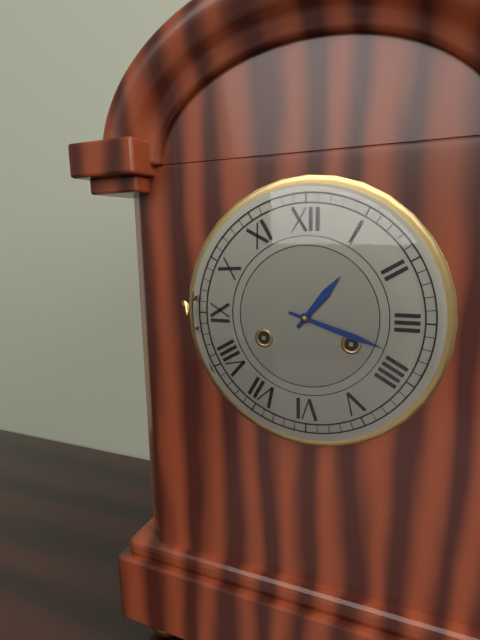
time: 1:18
